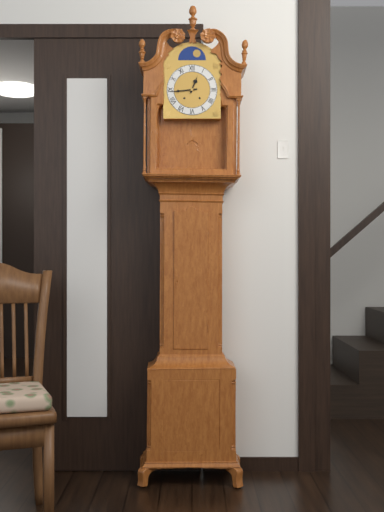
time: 12:44
